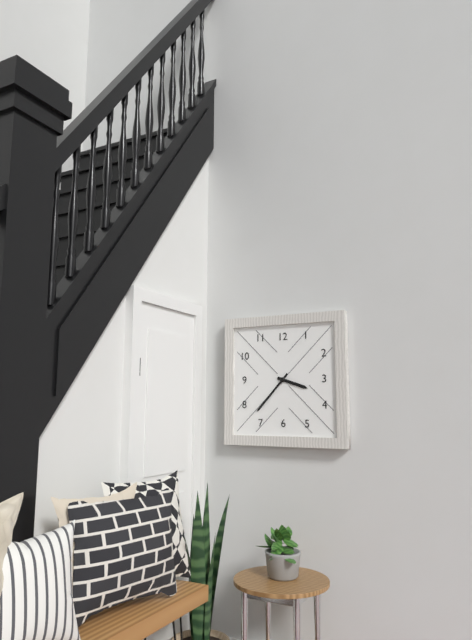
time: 3:37
